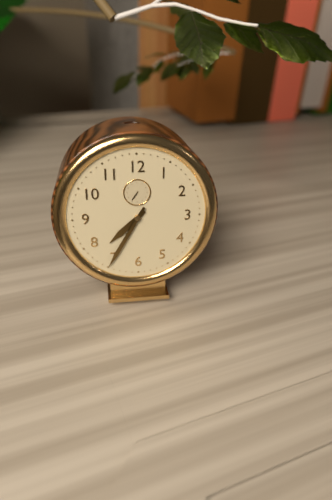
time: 7:35
